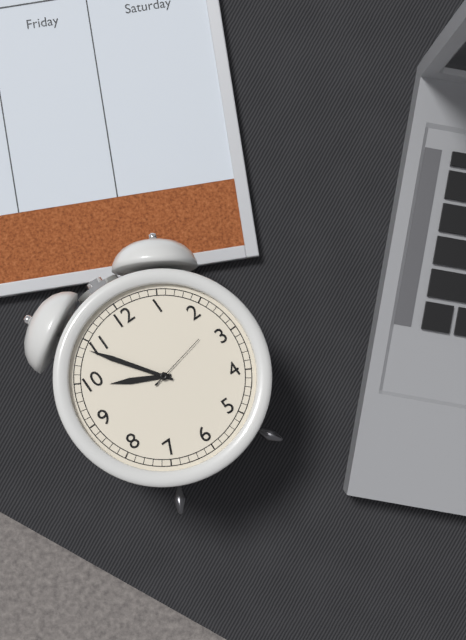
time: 9:54:13
